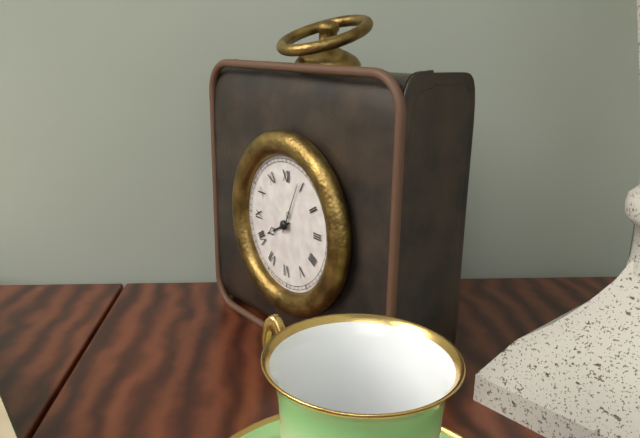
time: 8:04
